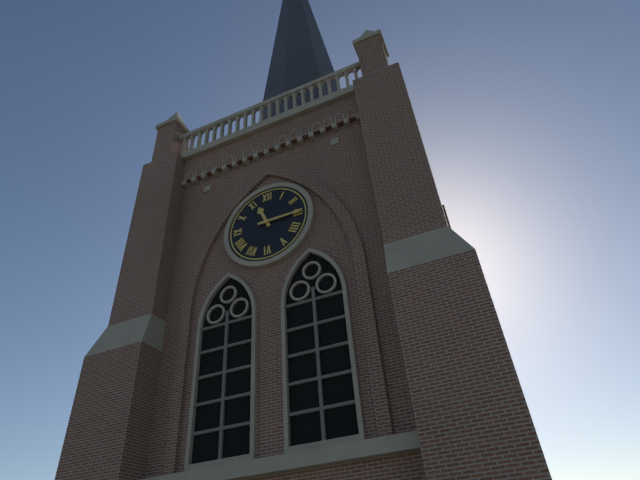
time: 11:15
